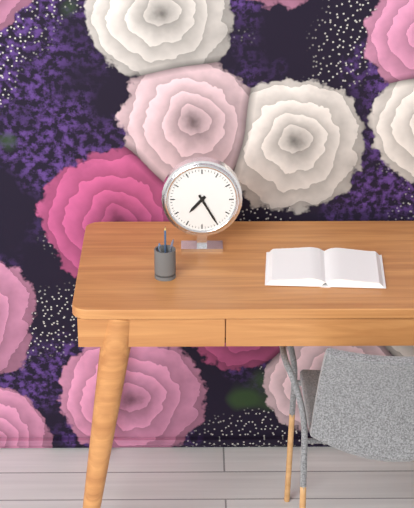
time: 7:25
